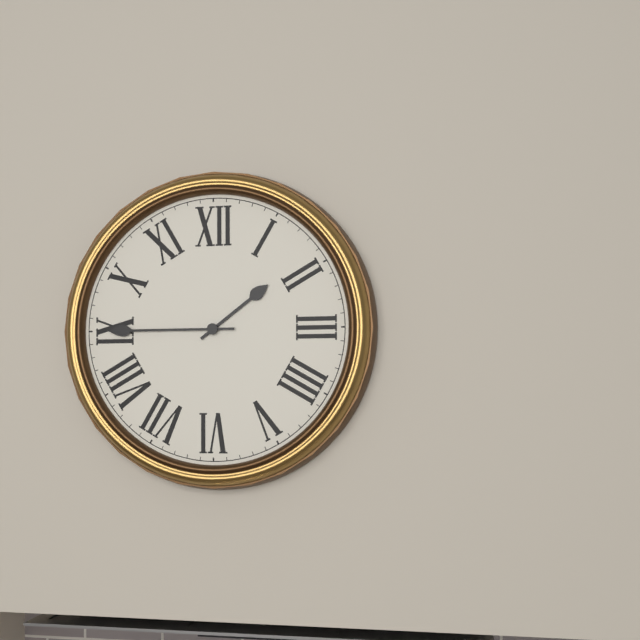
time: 1:45
